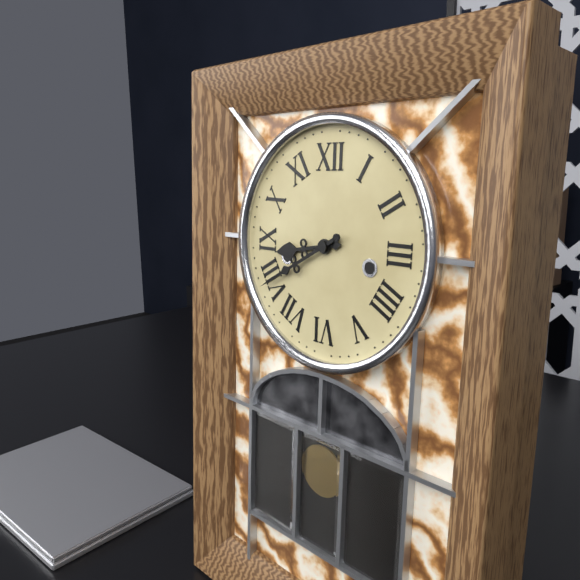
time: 8:40
